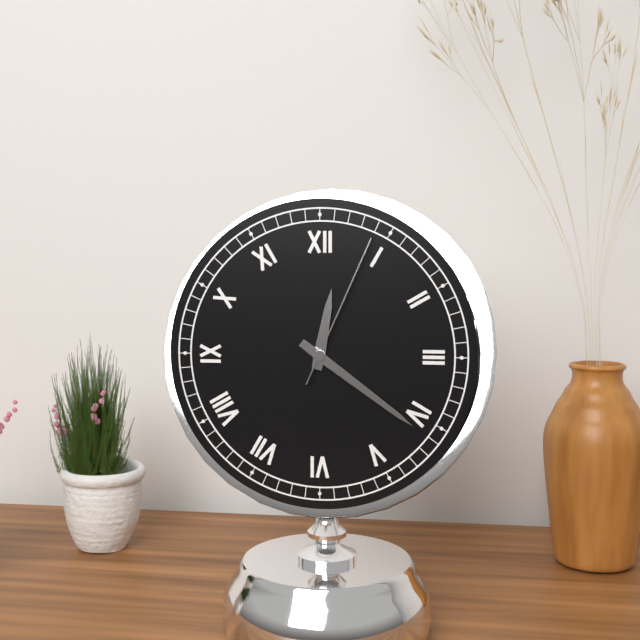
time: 12:21:04
